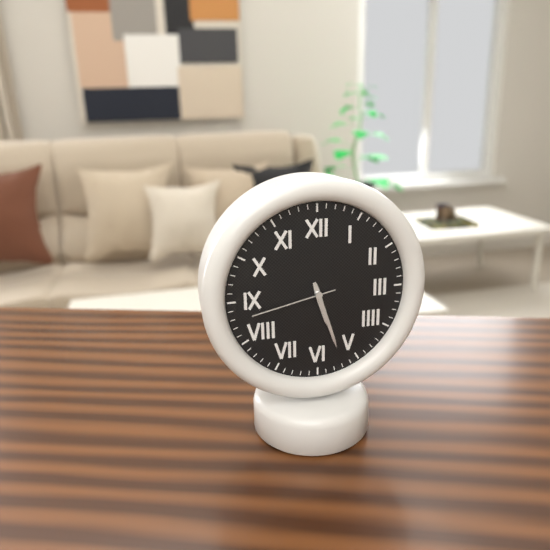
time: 5:27:43
